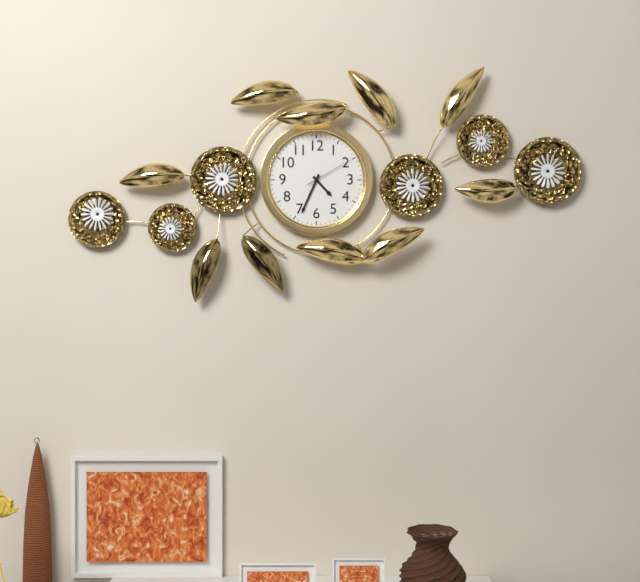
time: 4:34:10
